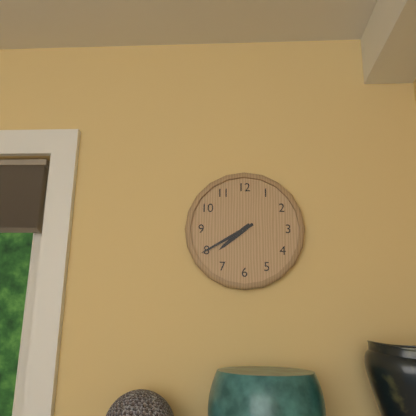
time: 7:40
